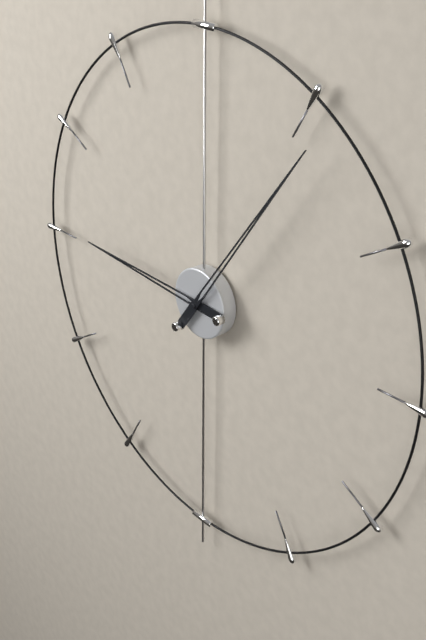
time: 9:06
